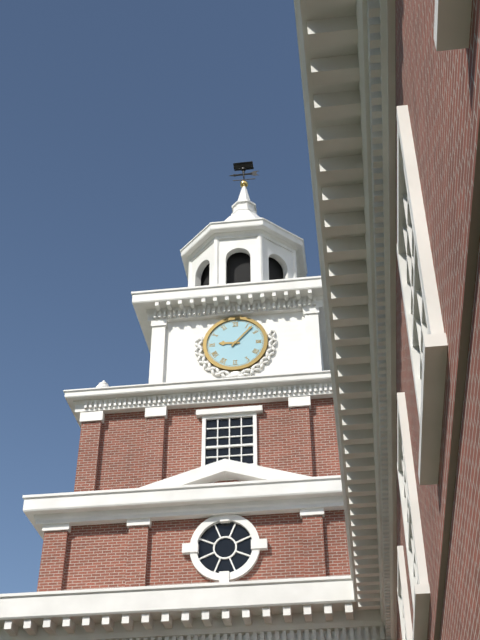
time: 9:07
